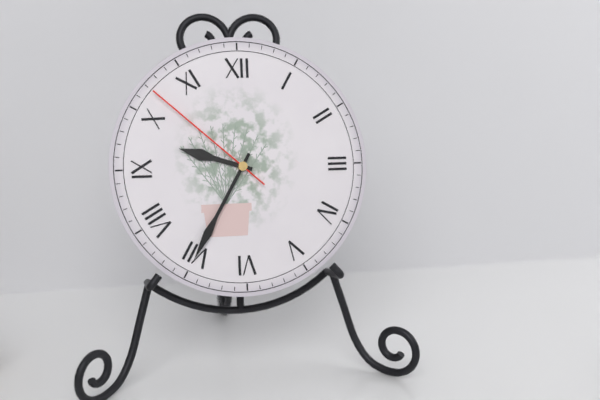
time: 9:35:52
